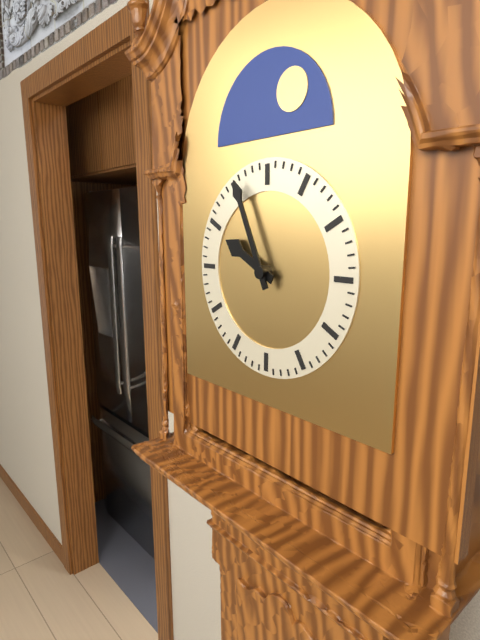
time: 9:56
